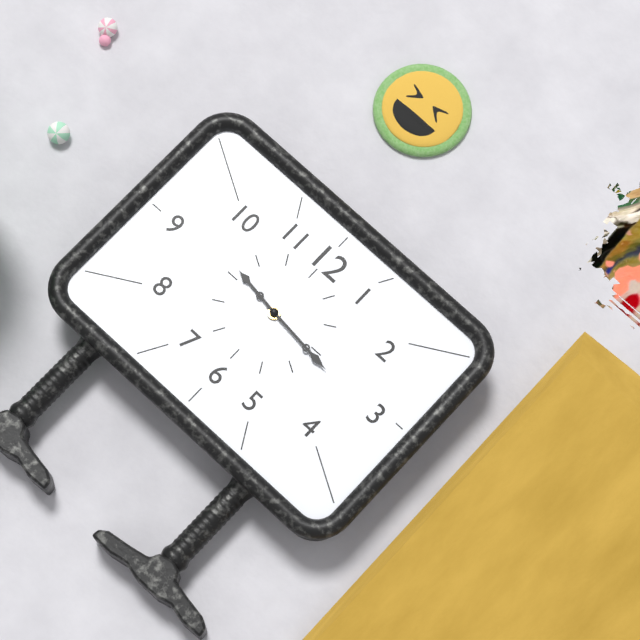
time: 9:16
